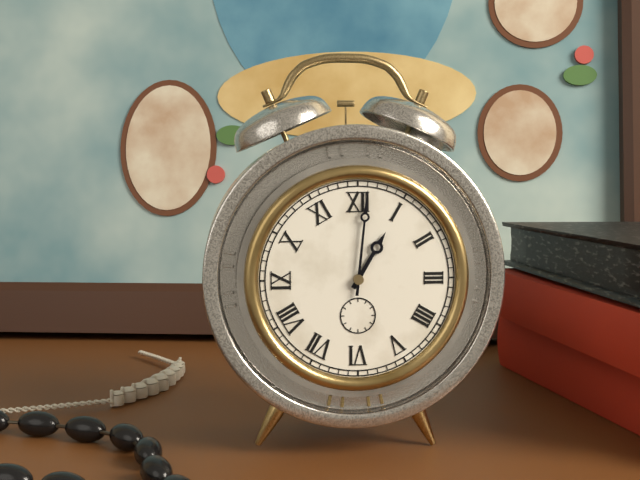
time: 1:01
